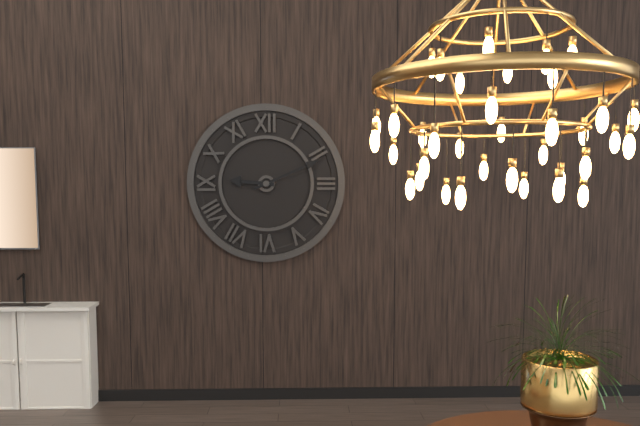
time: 9:11
